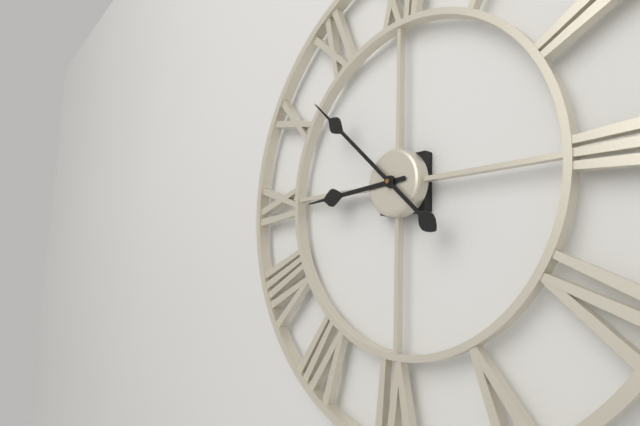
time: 8:52
